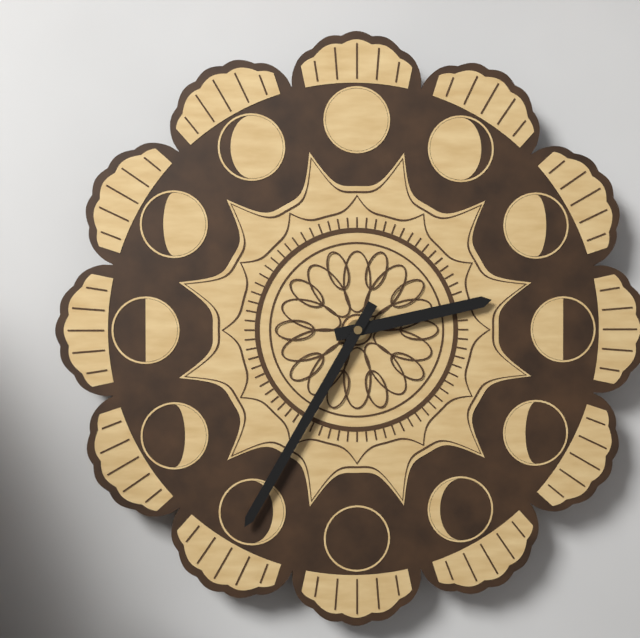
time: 2:35
